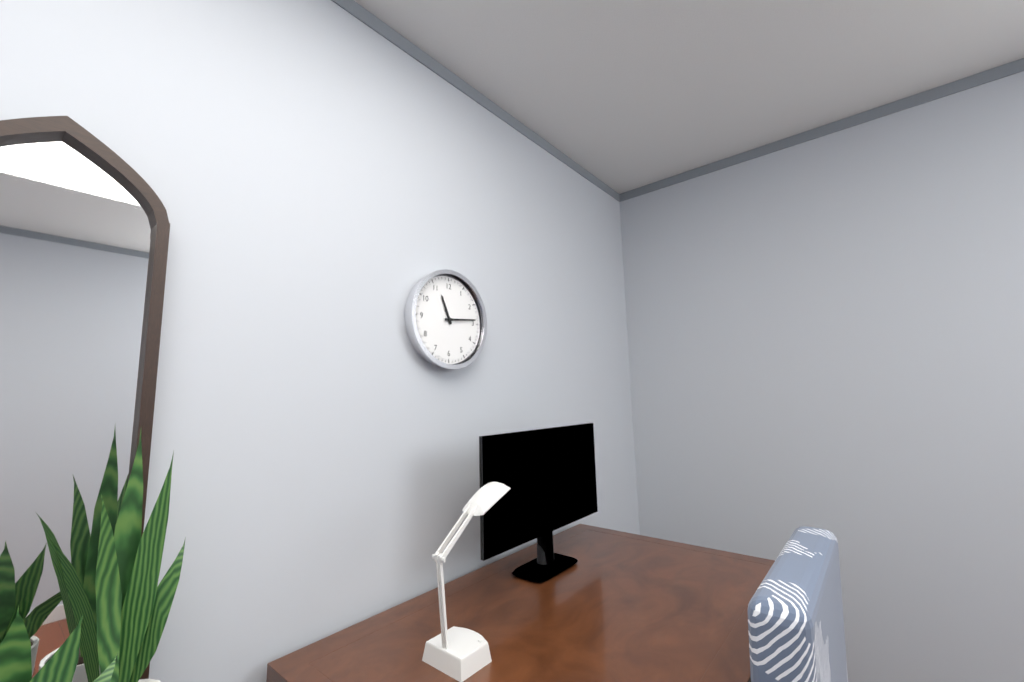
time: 11:14
